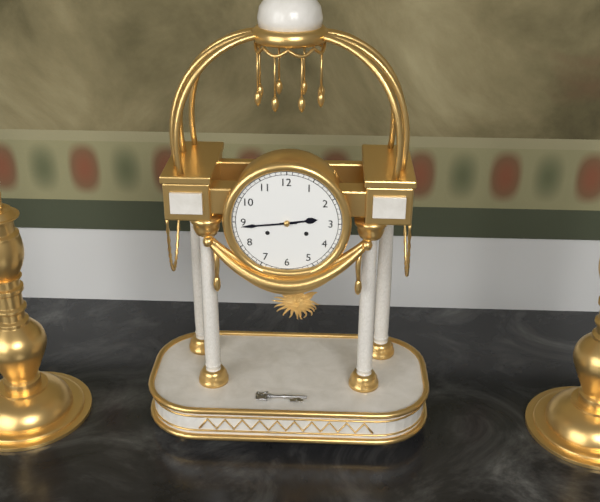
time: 2:44
